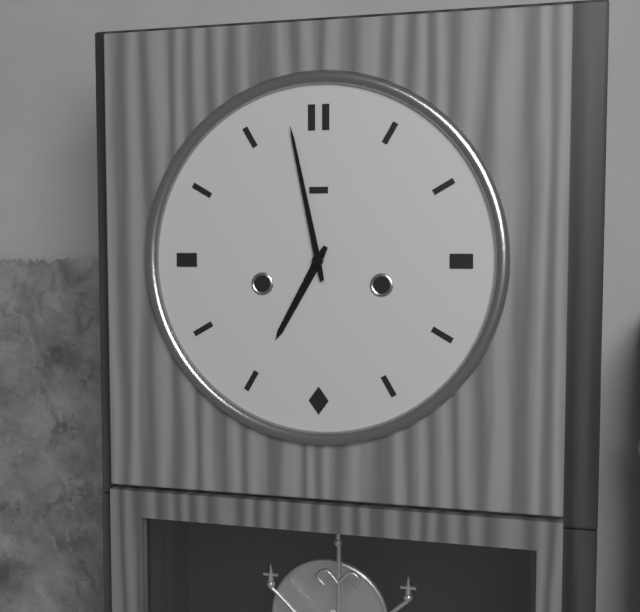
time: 6:58
